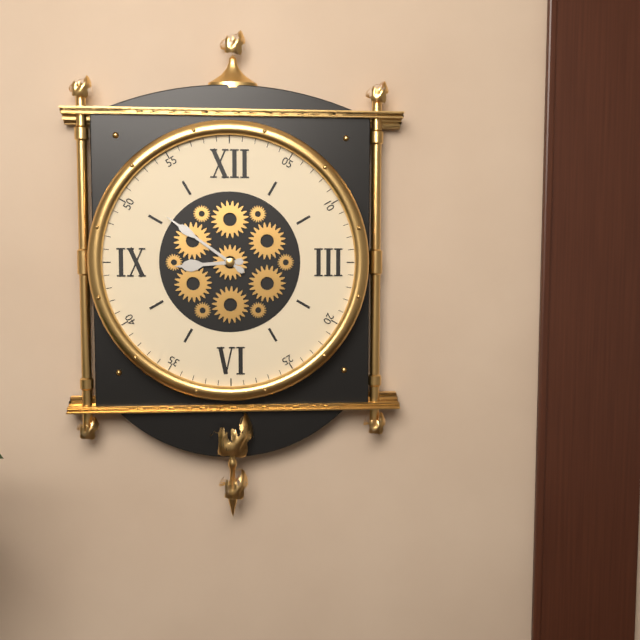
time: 8:51
